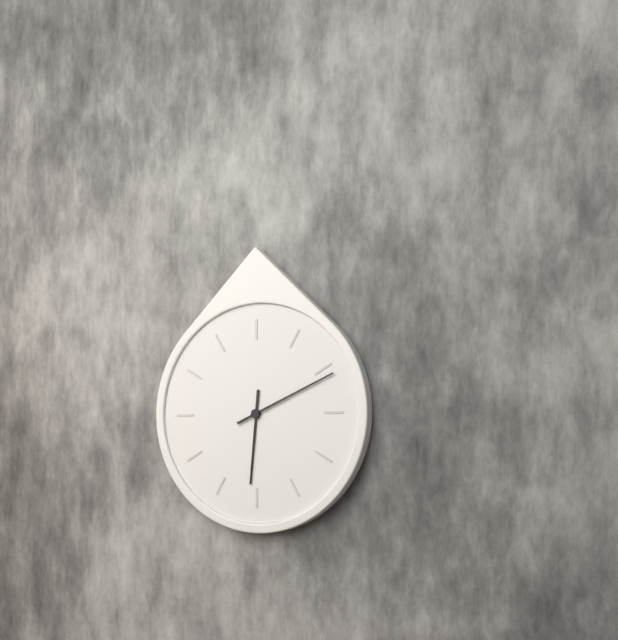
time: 6:11
